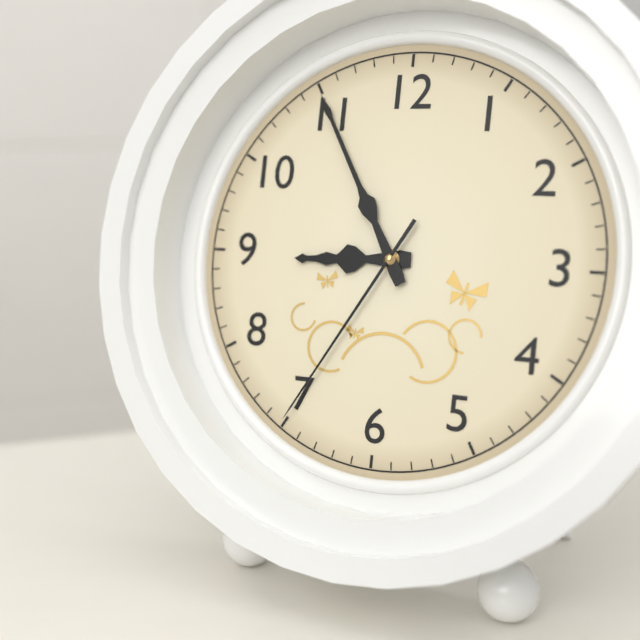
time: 8:55:35
